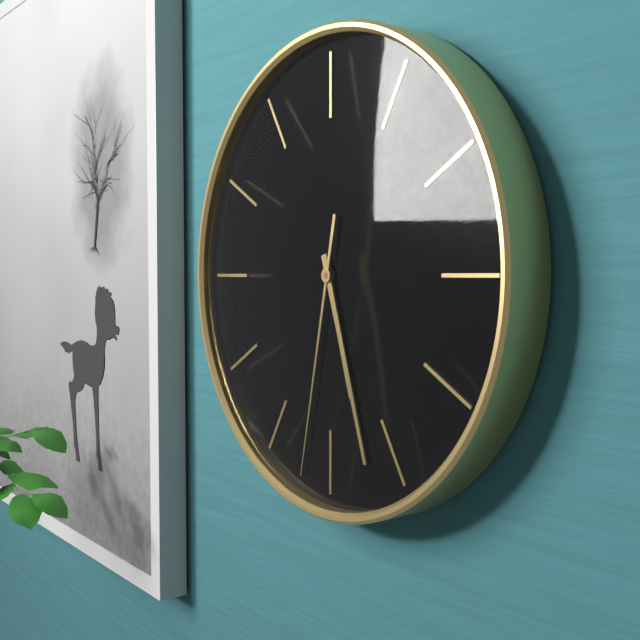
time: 5:27:32
